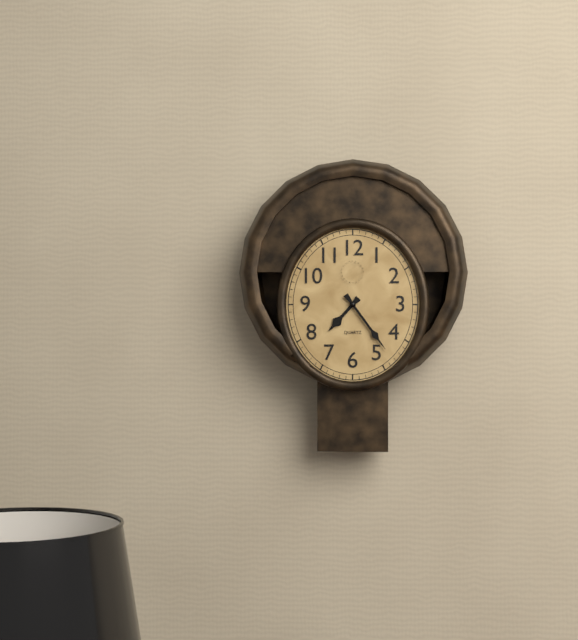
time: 7:24
